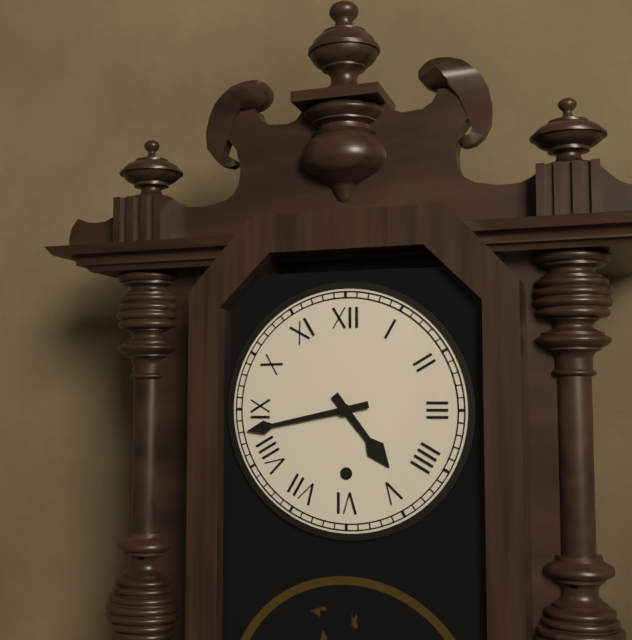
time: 4:43
